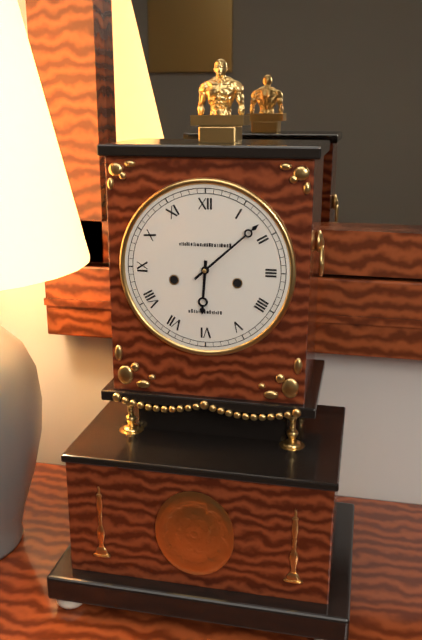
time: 6:08
